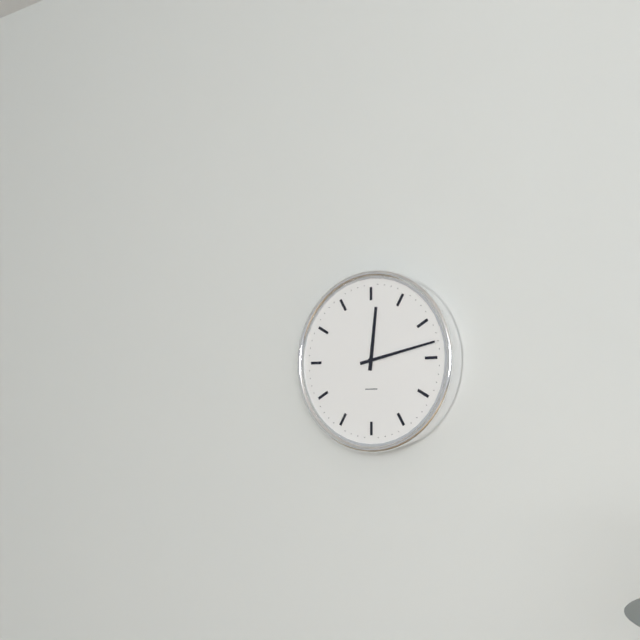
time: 12:13
